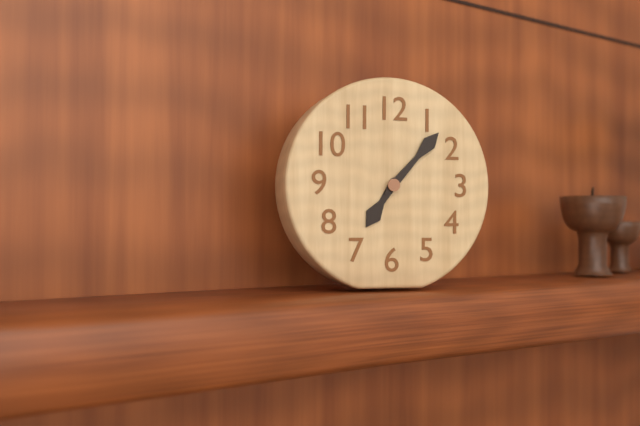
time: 7:07
